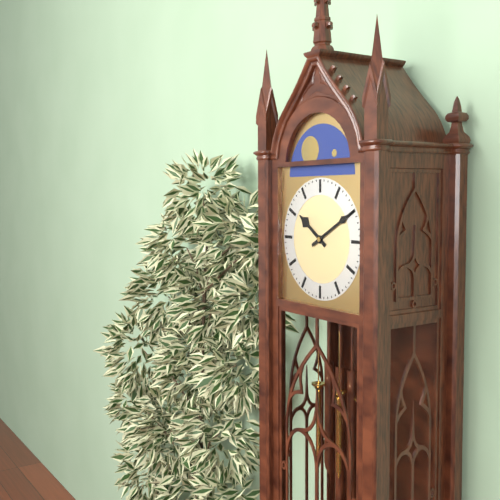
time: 10:10
